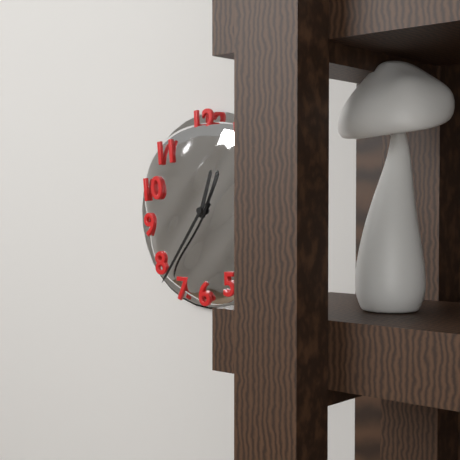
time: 12:36
